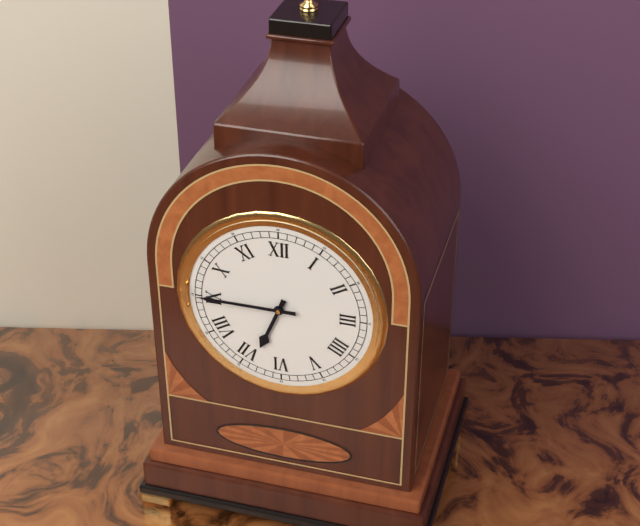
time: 6:45
